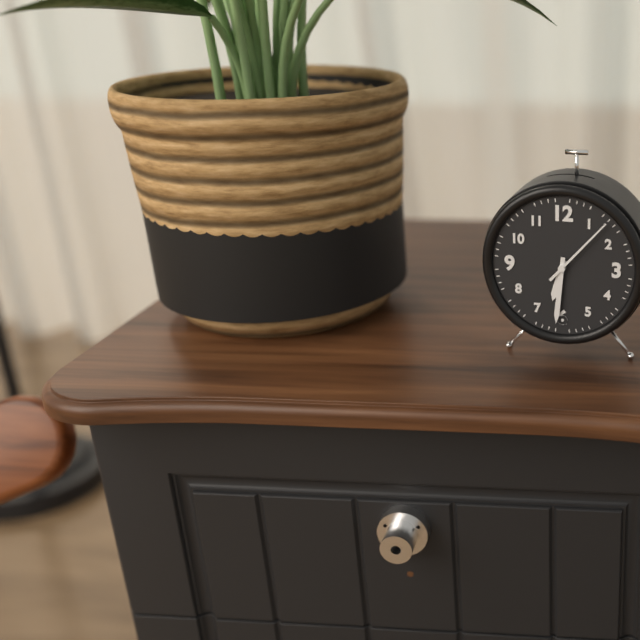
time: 6:31:07
